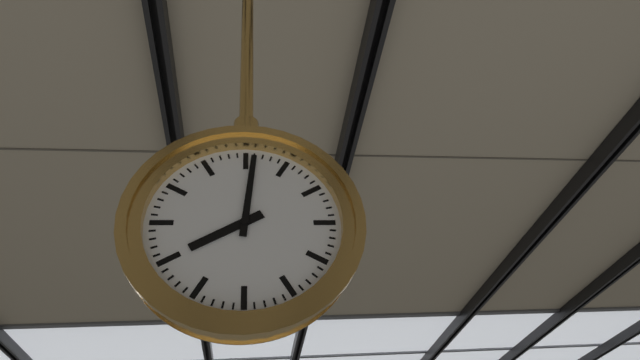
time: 8:01
